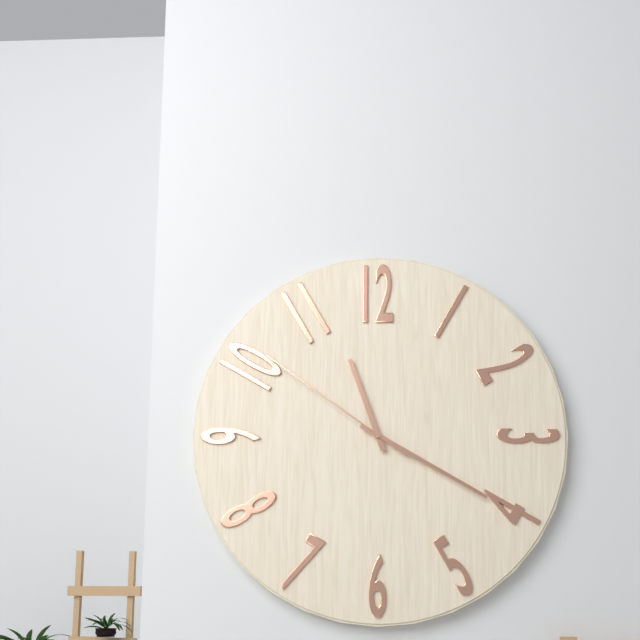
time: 11:20:51
